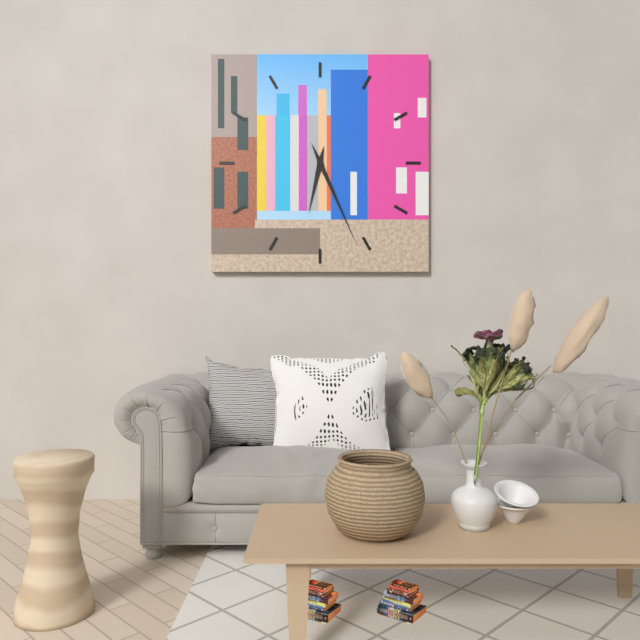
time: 6:26
